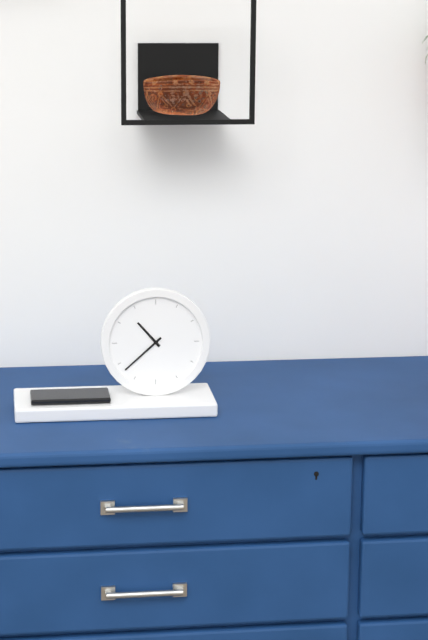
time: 10:38
